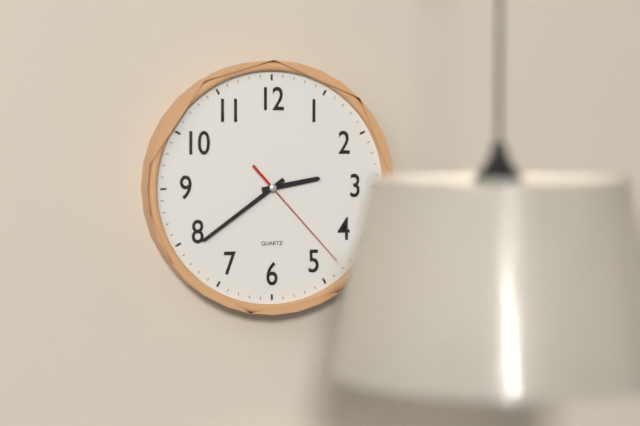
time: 2:39:23
